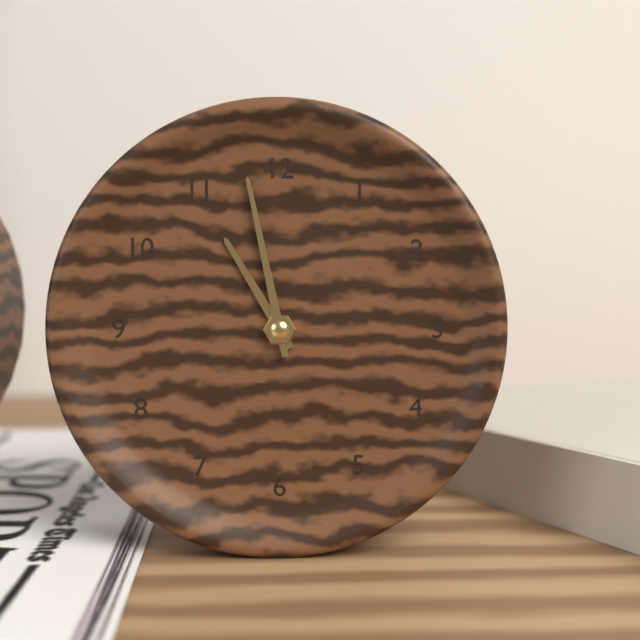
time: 10:58
